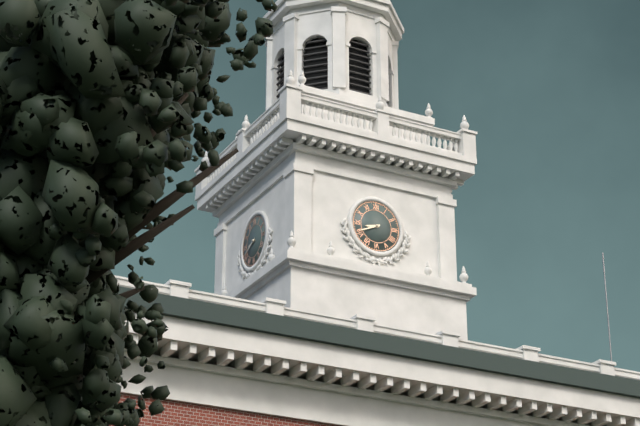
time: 8:41
